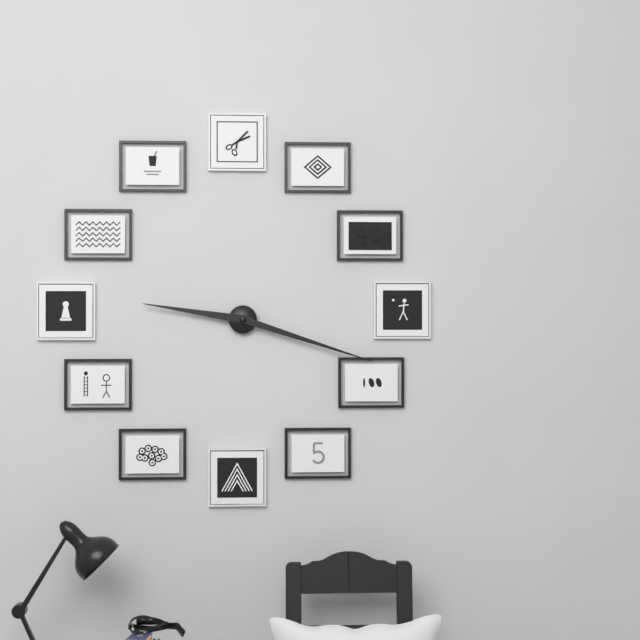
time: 9:18
